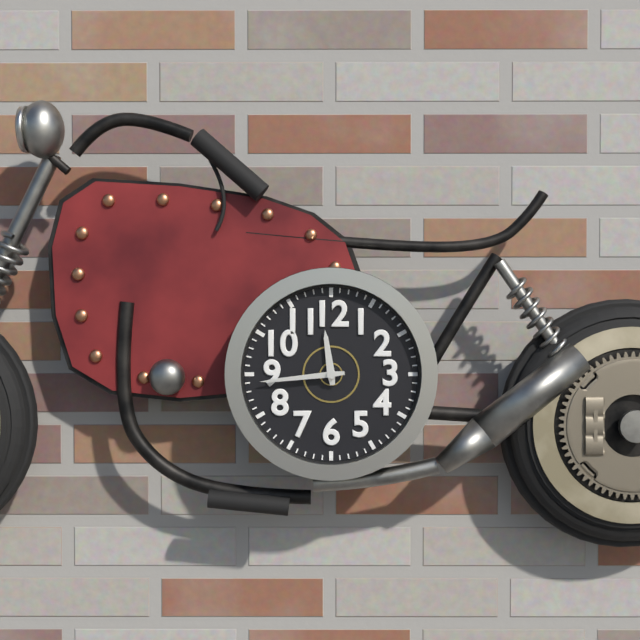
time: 11:44
